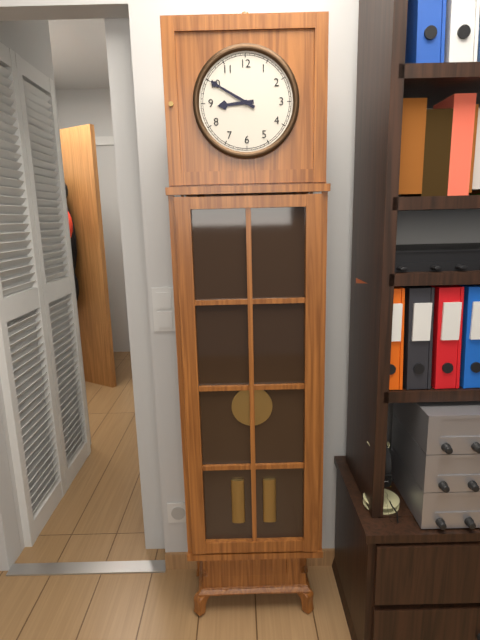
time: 8:50
